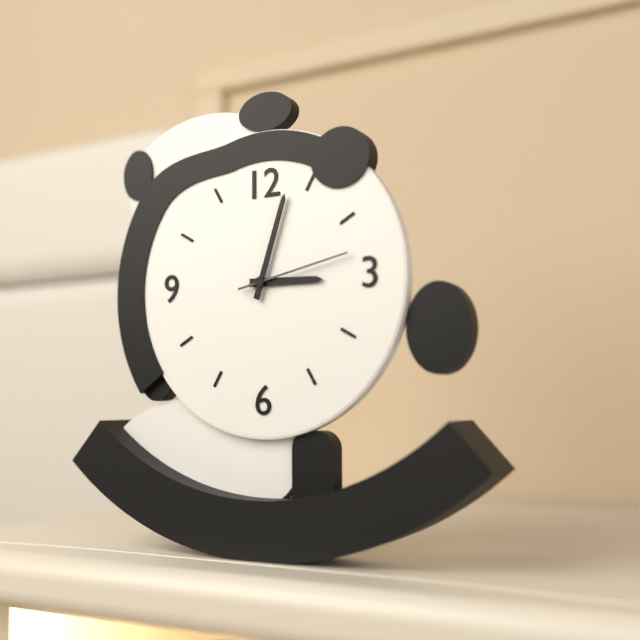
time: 3:03:13
